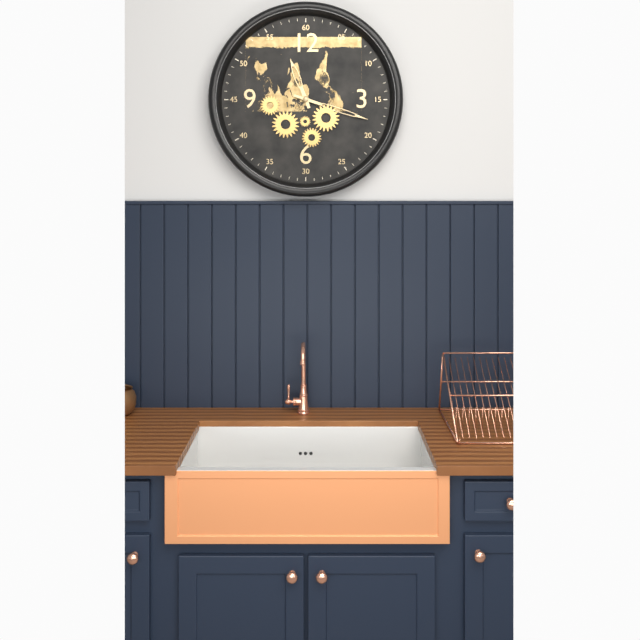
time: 11:18
